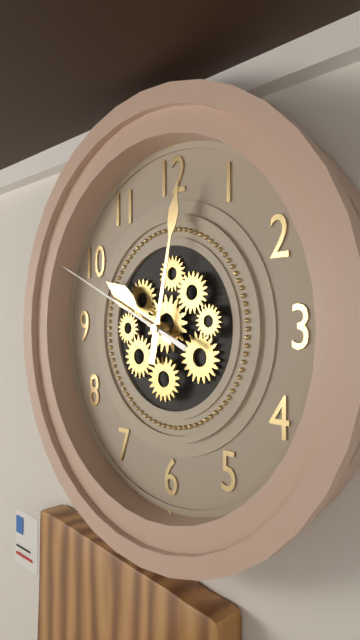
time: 10:02:49
